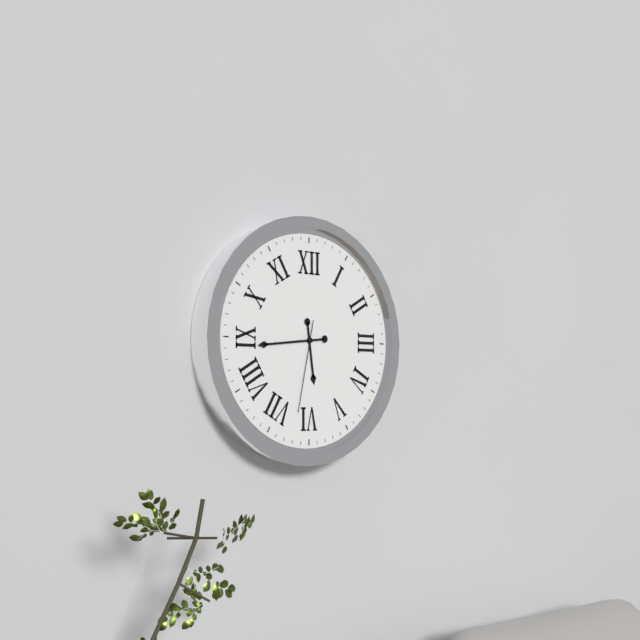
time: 5:44:32
